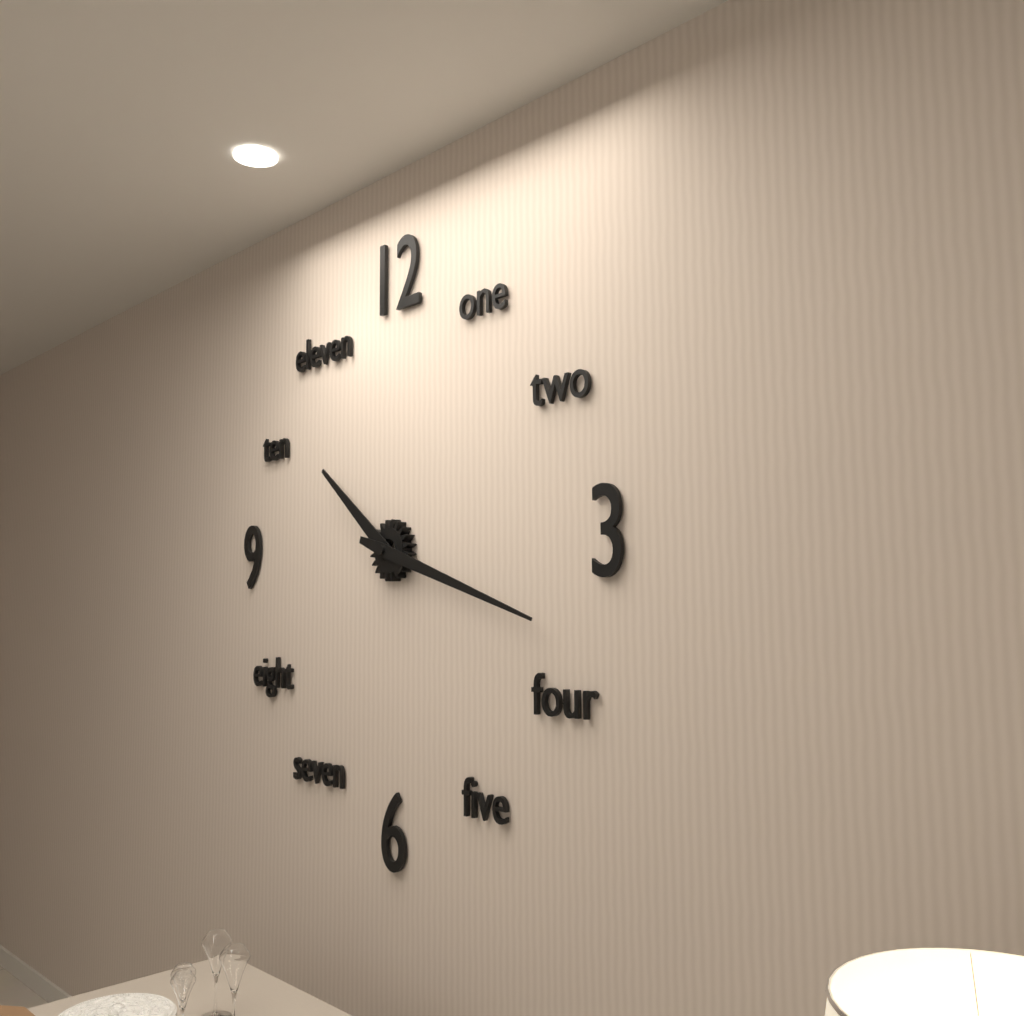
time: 10:18
